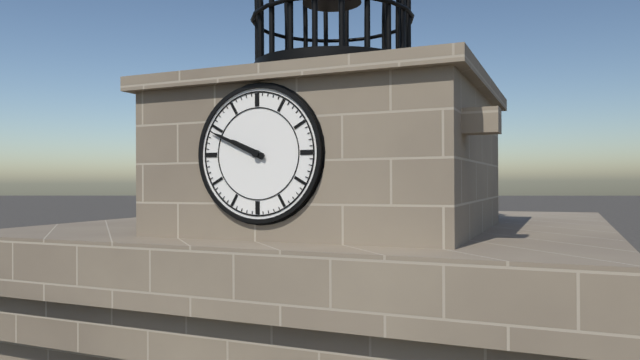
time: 9:49
